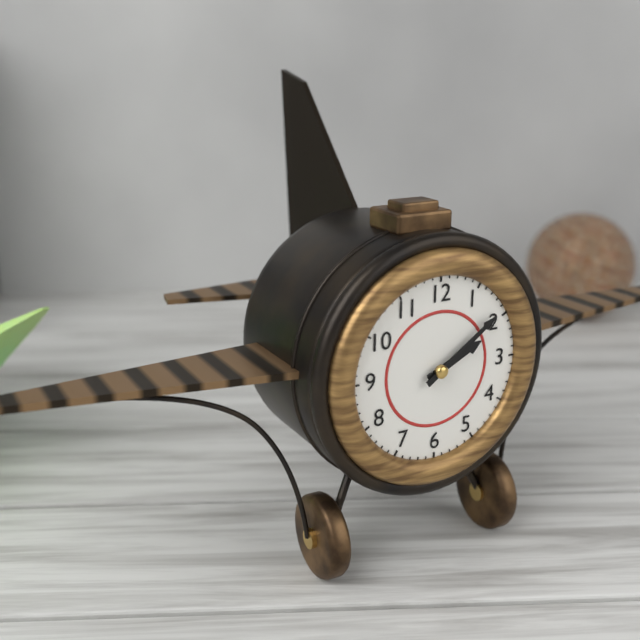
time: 2:09
